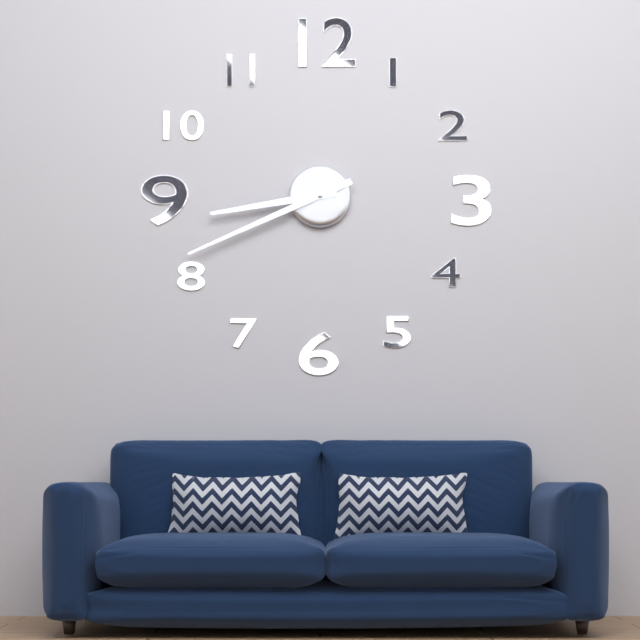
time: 8:41
